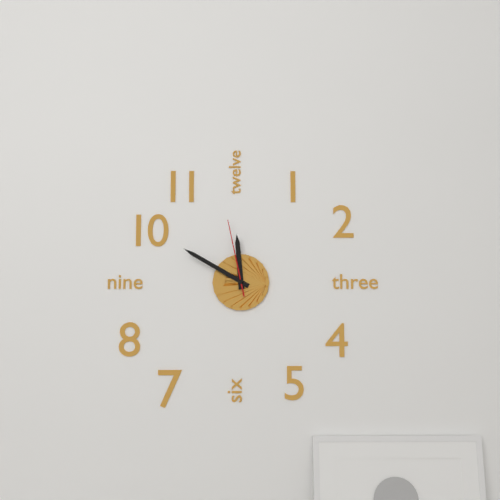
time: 11:50:58
